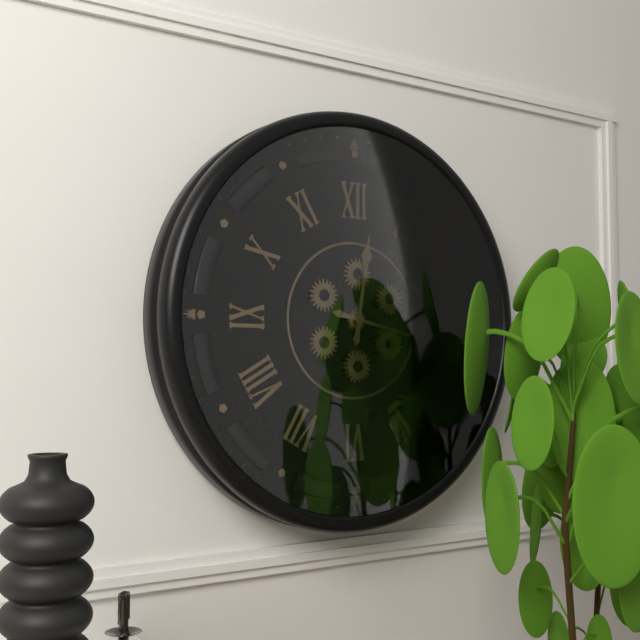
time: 12:17
